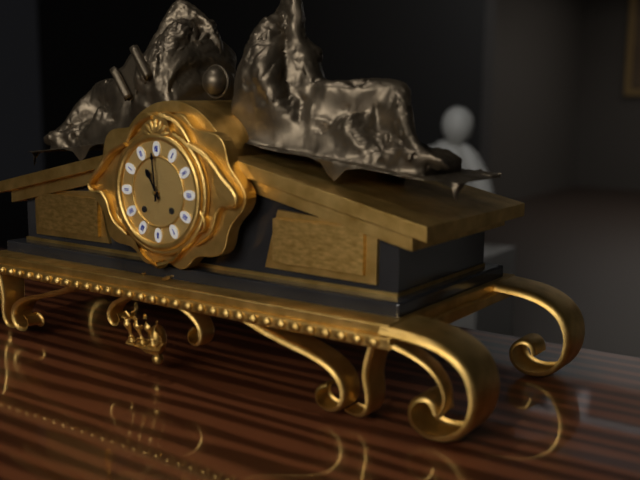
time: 10:59
